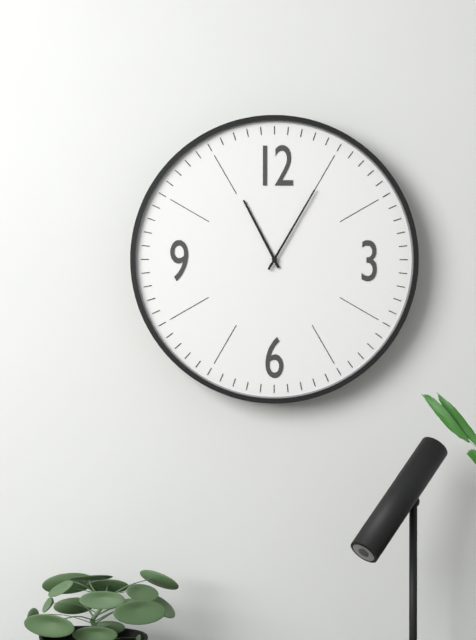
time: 11:05
